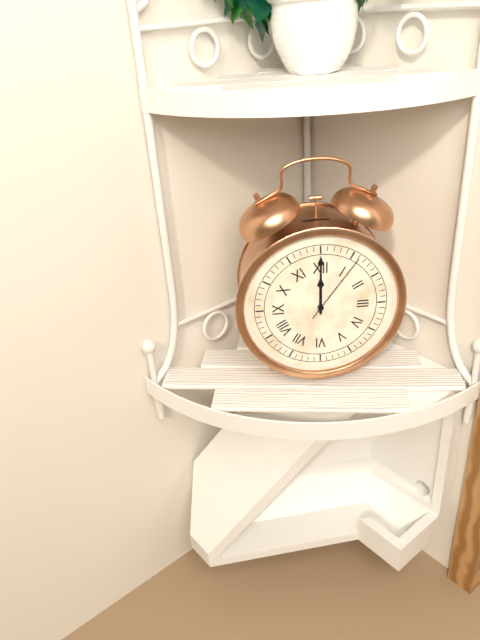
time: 12:00:06
